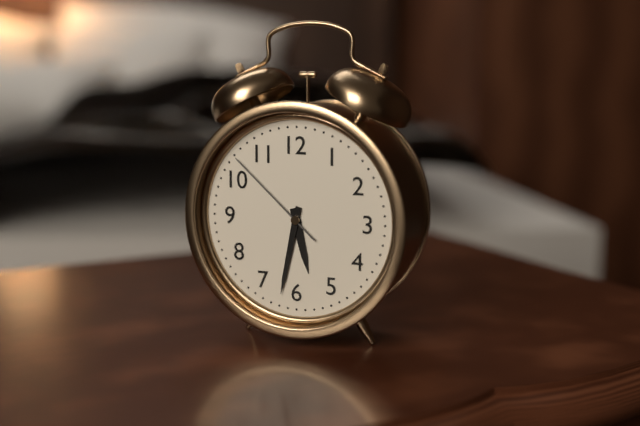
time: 5:32:52
